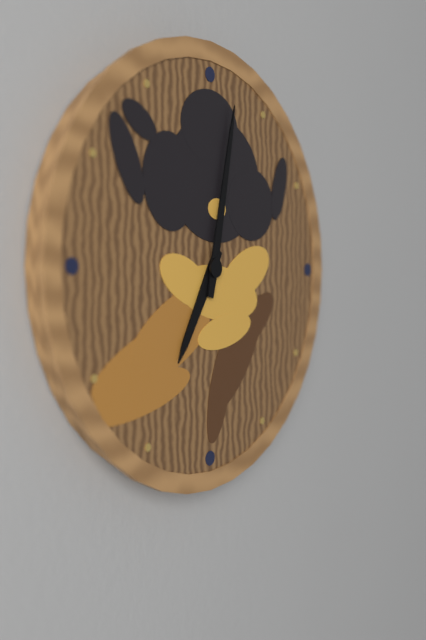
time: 7:02
